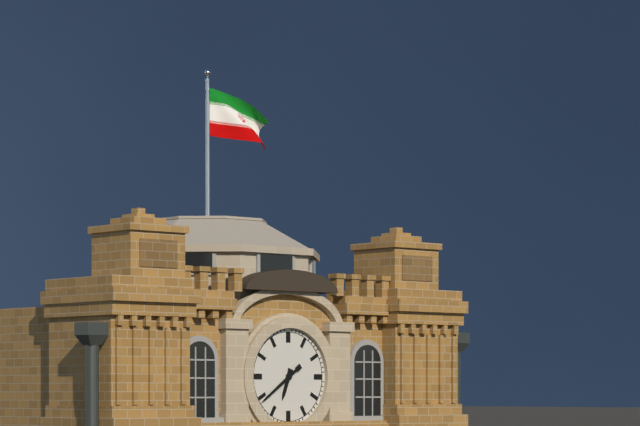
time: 6:39
